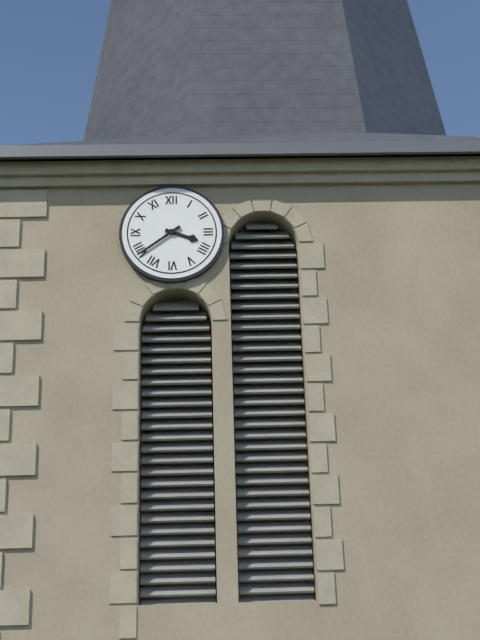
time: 3:39
